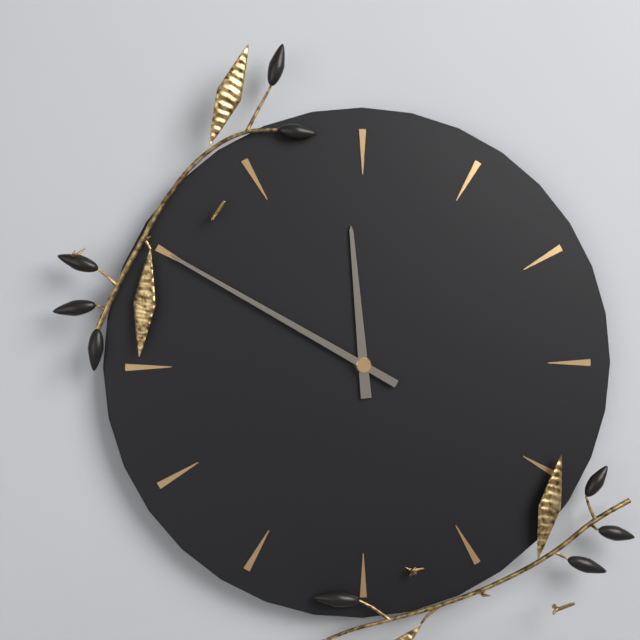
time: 11:50
